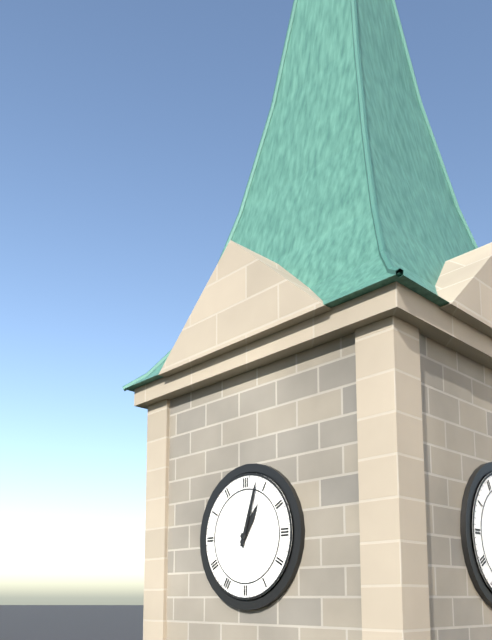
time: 1:03
